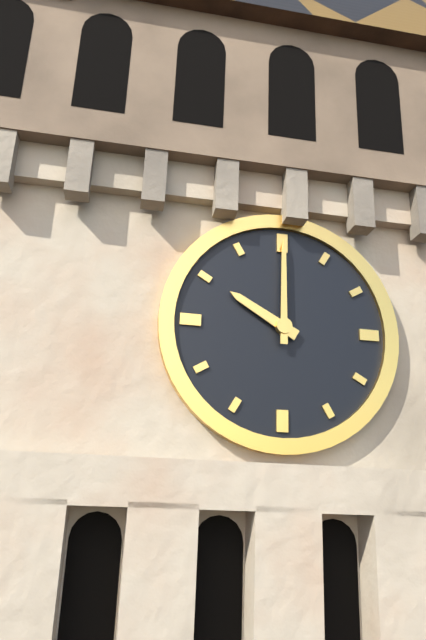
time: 10:00
